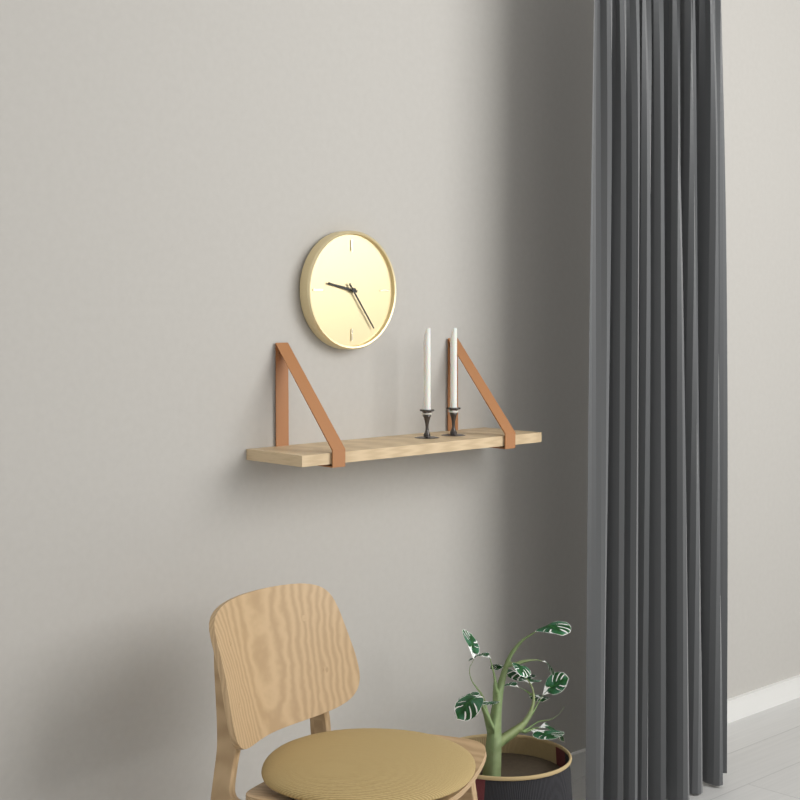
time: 9:24
